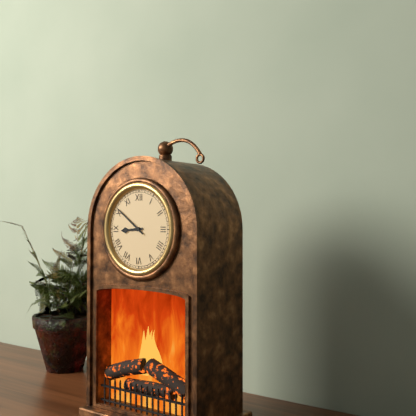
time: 8:51
